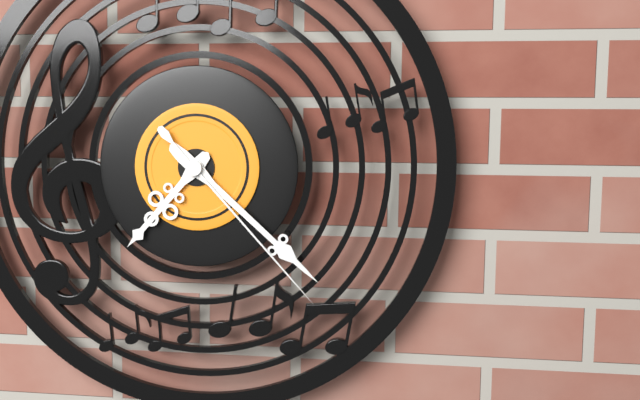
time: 7:22:23
